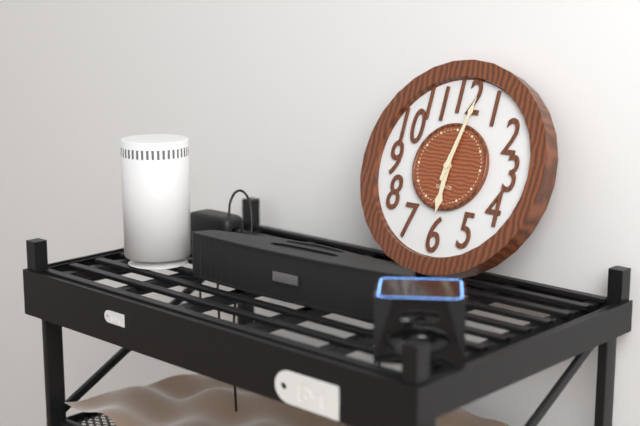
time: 6:02
